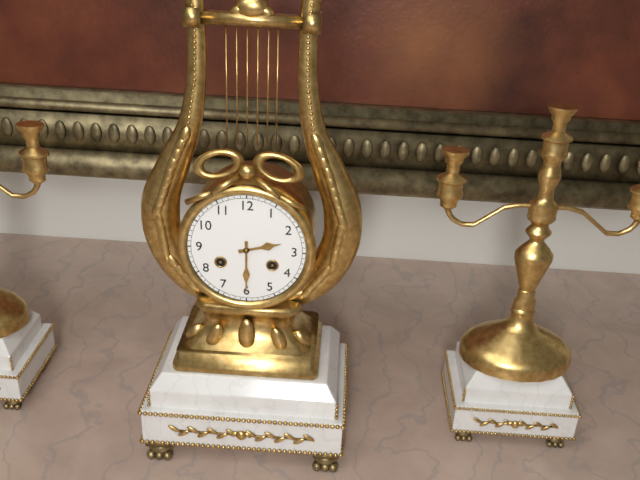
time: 2:30
